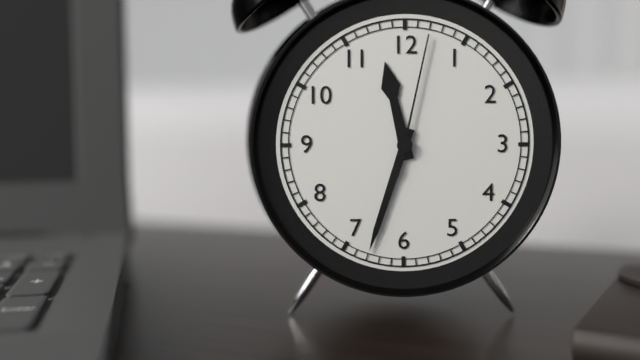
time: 11:33:02
